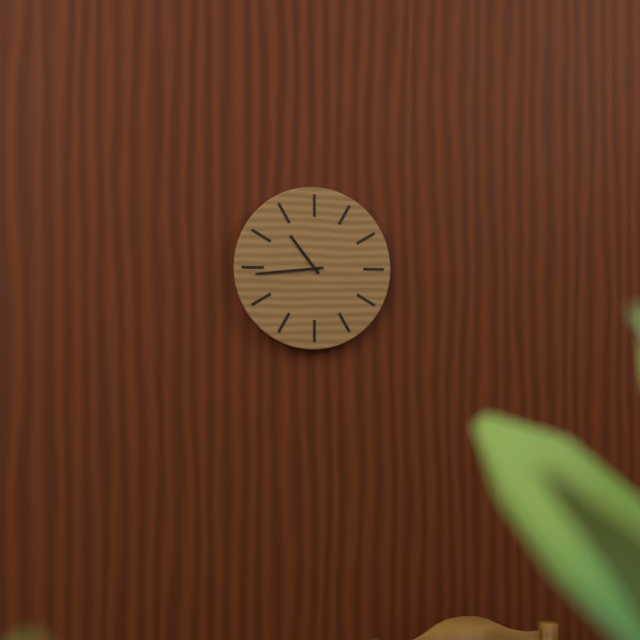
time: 10:44
